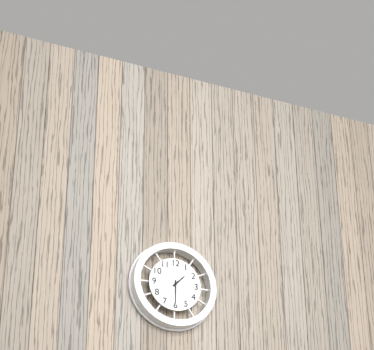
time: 1:30
